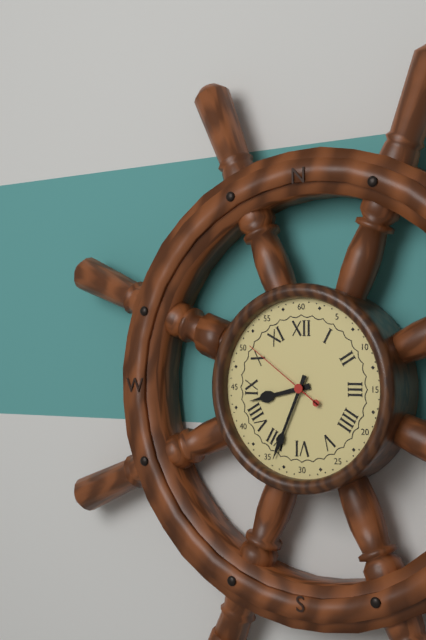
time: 8:34:51
